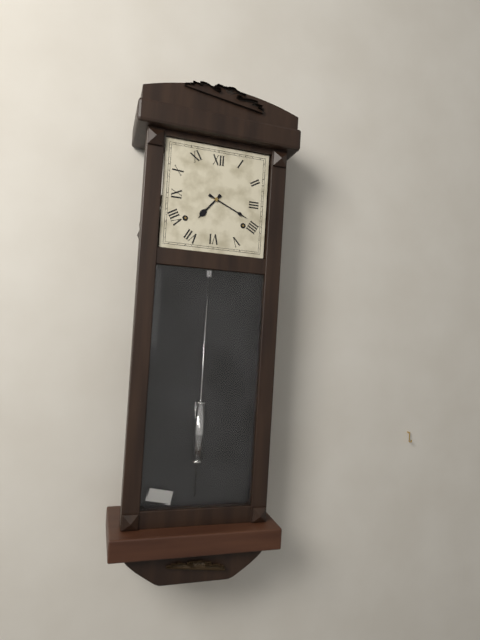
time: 7:19
